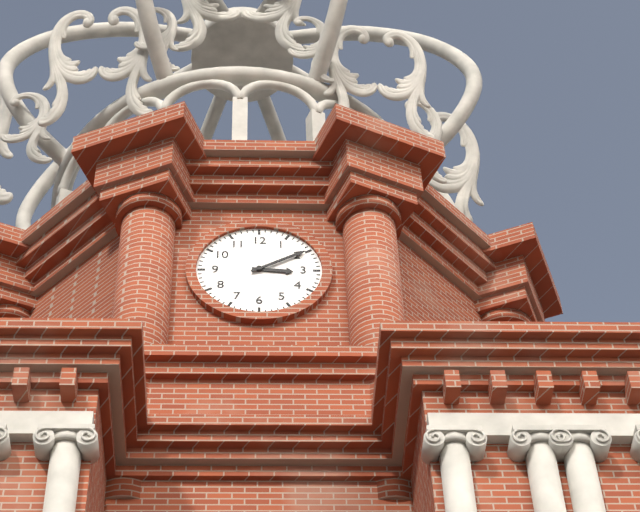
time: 3:10
